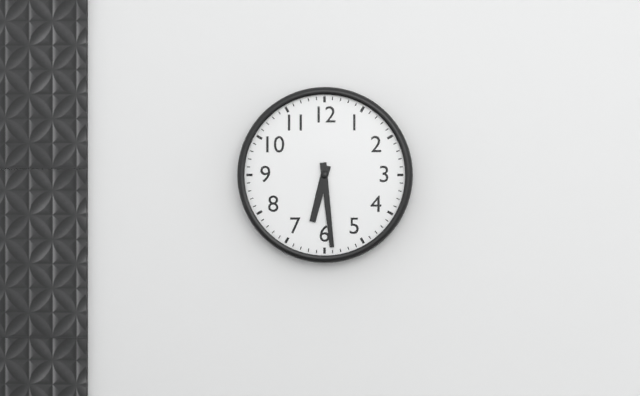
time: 6:29
